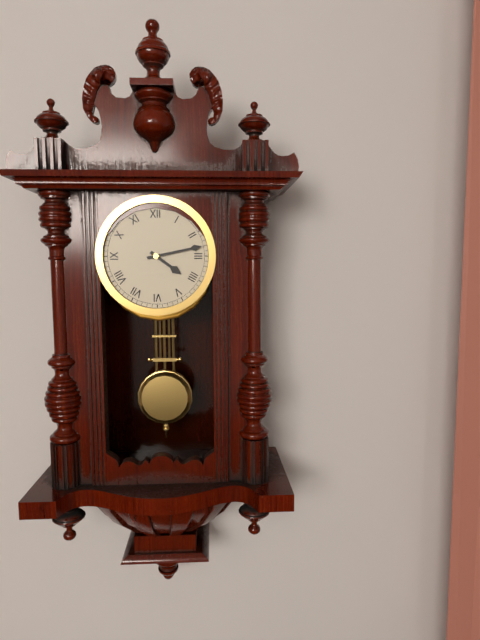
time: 4:13
